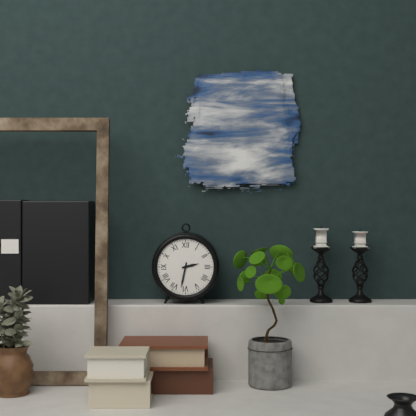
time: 2:32
